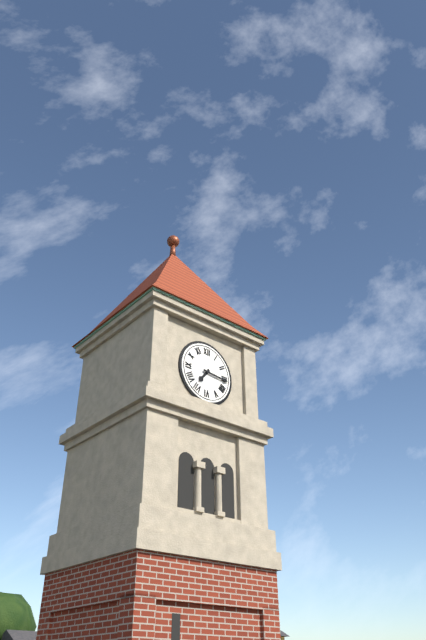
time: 7:16
